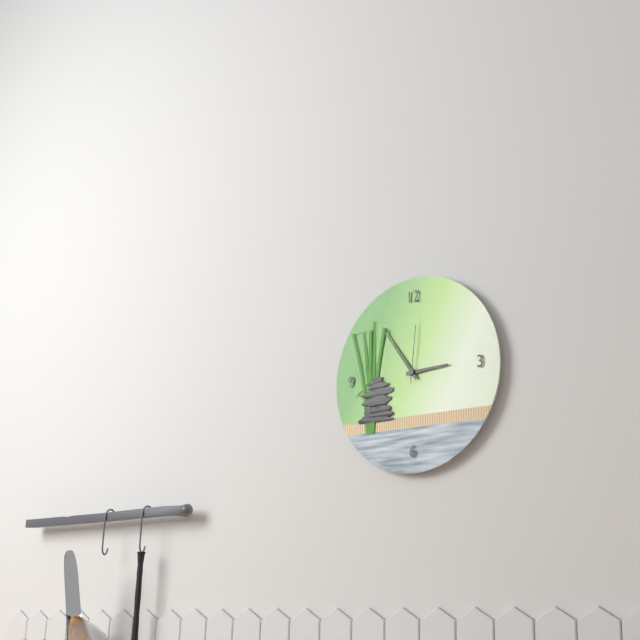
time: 2:54:01
